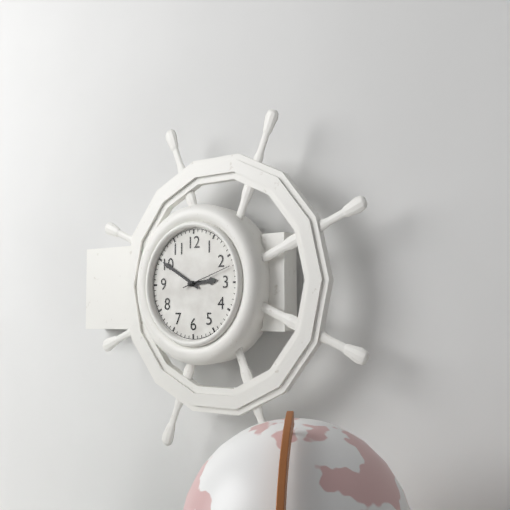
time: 2:50:12
